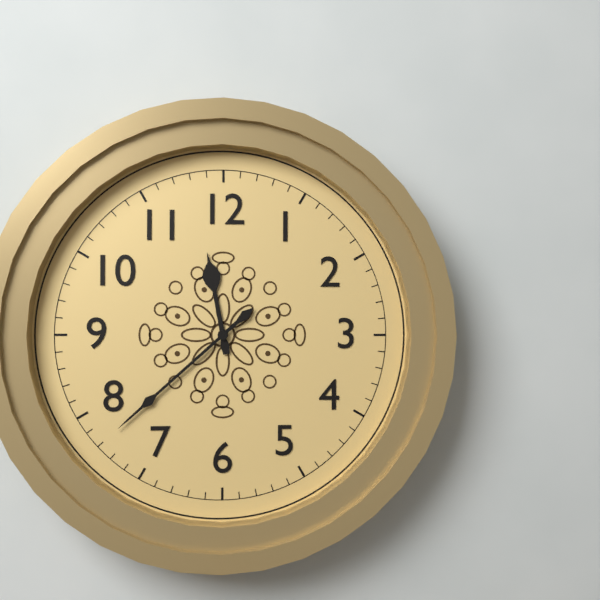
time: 11:38
